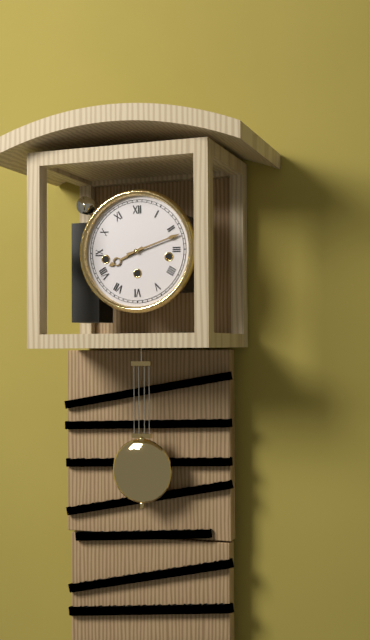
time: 8:12
